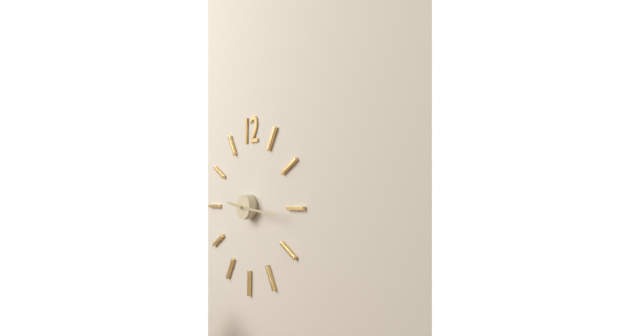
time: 9:16
